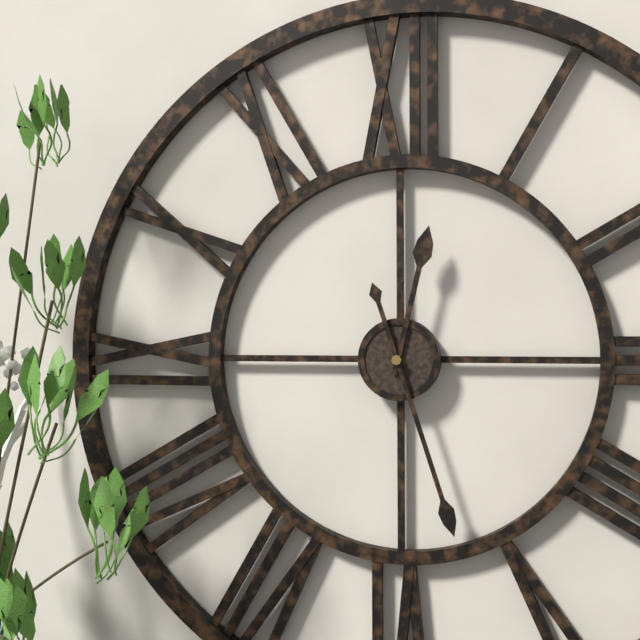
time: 12:27
